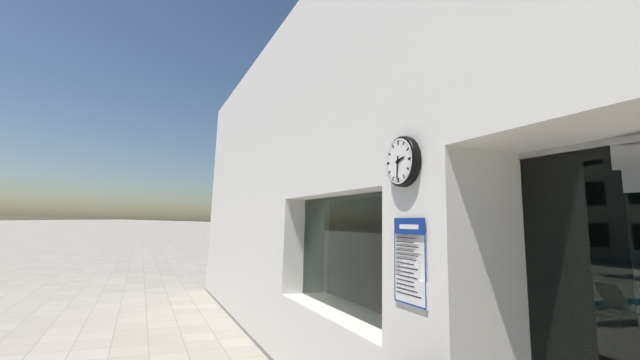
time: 2:31
